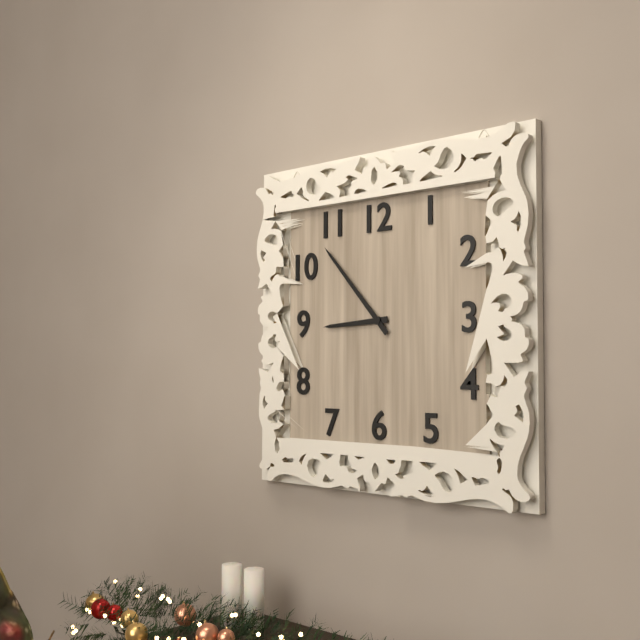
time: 8:53
